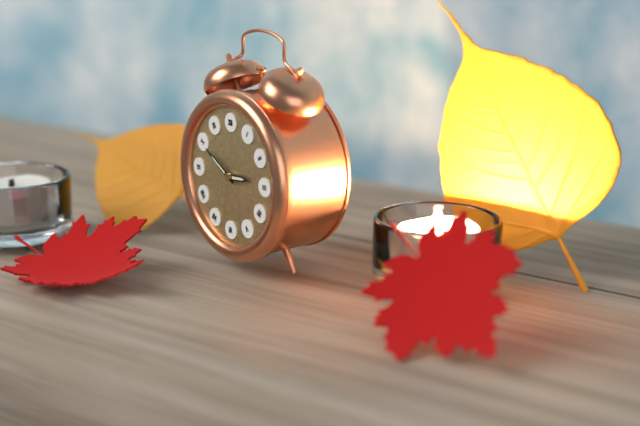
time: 2:50
